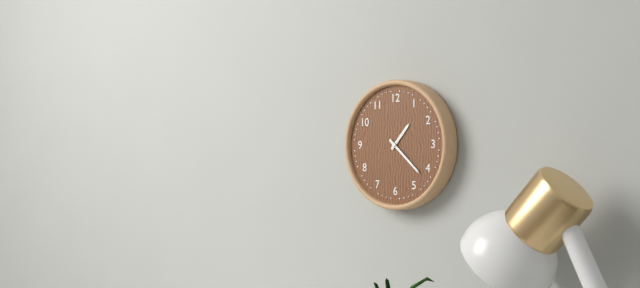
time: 1:22
